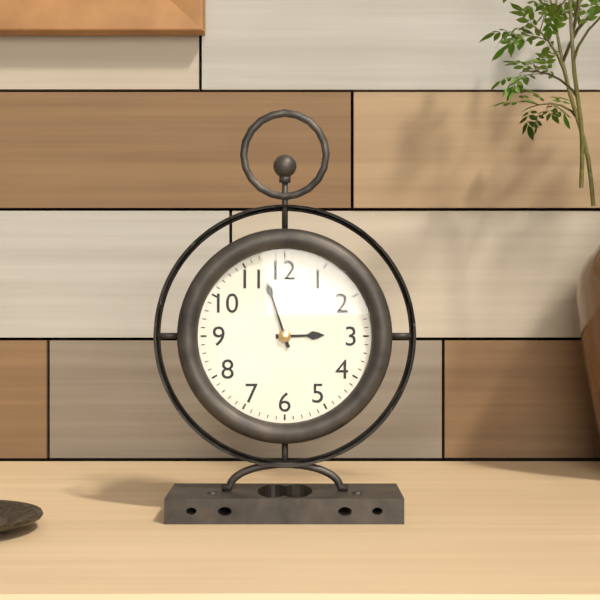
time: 2:57
